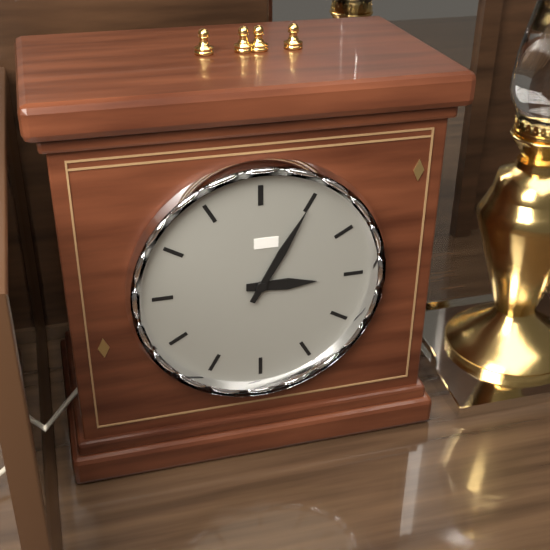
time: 3:05
